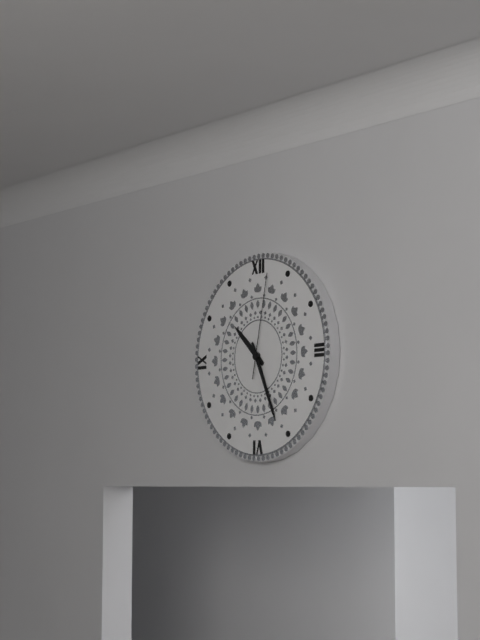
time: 10:26:02
